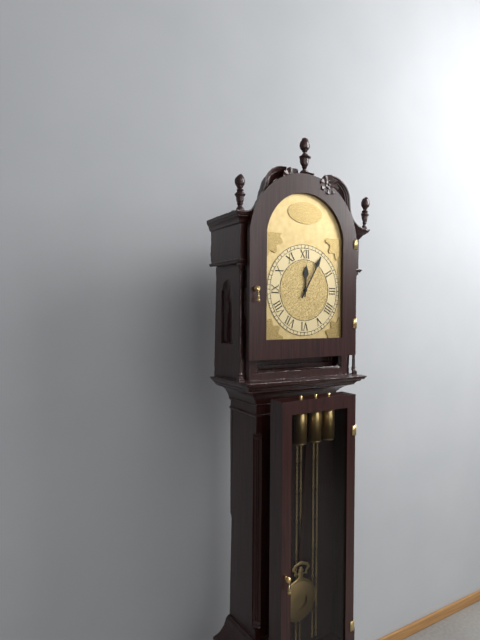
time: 12:05
